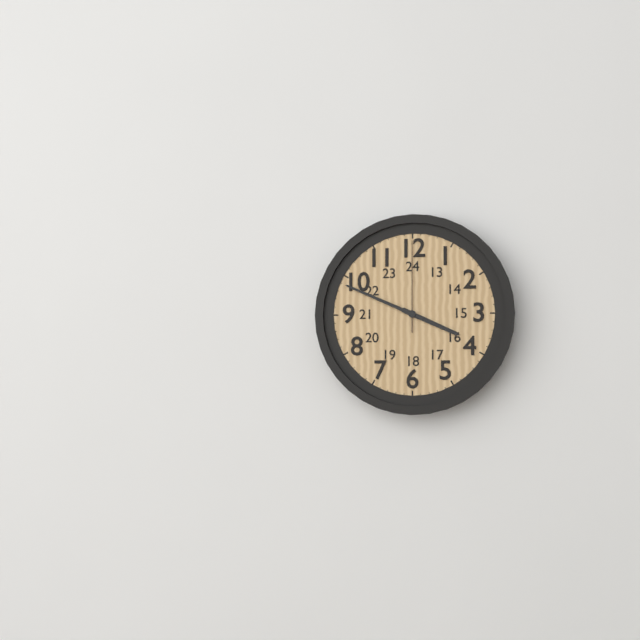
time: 3:49:00
